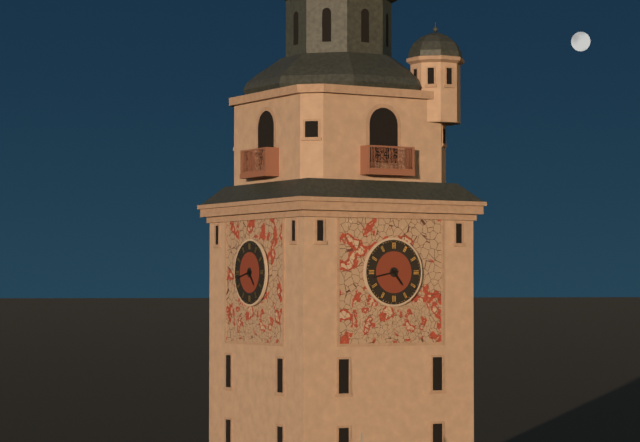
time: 4:43
